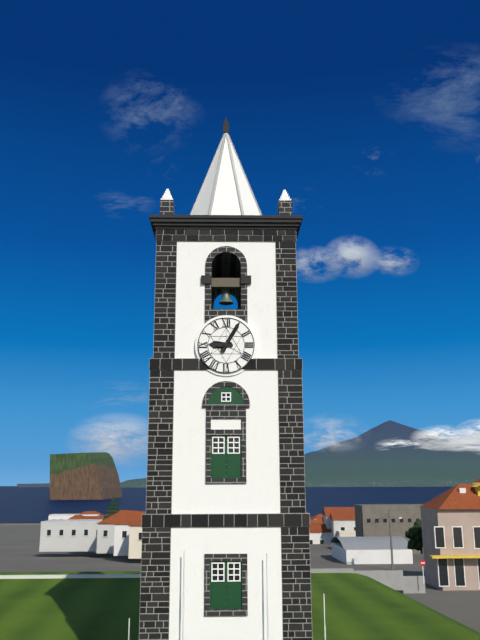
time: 9:05
